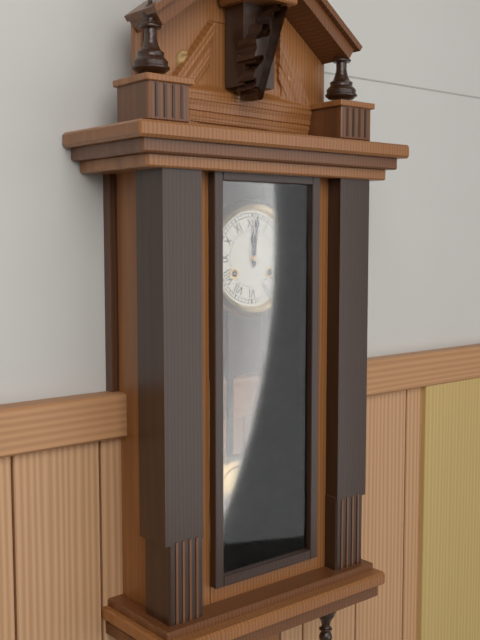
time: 12:01
